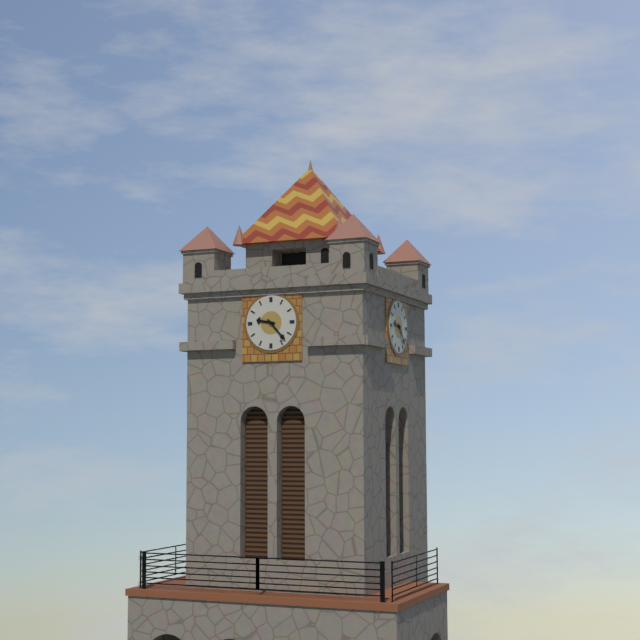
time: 9:23
